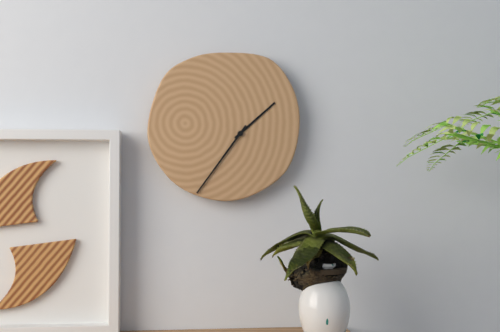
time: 1:36
